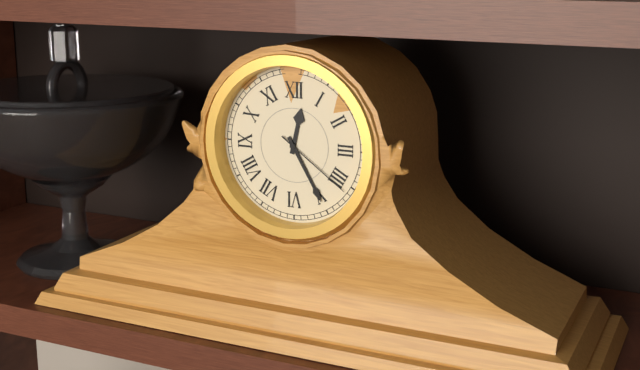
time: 12:25:21
